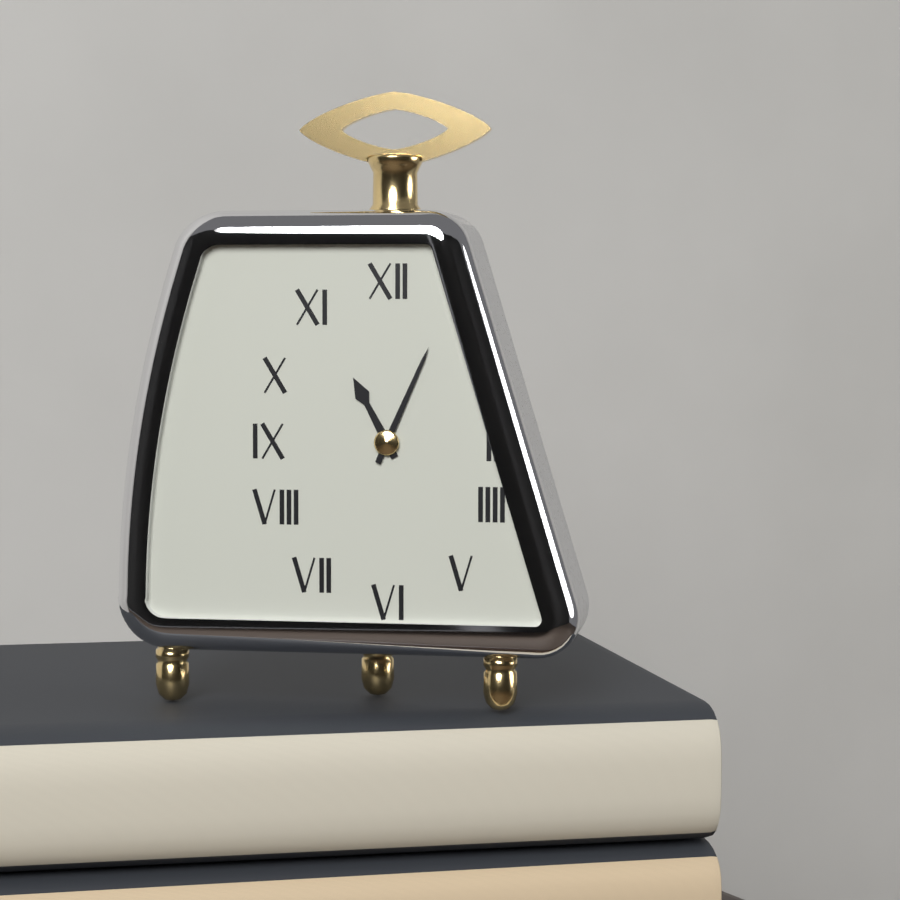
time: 11:04
